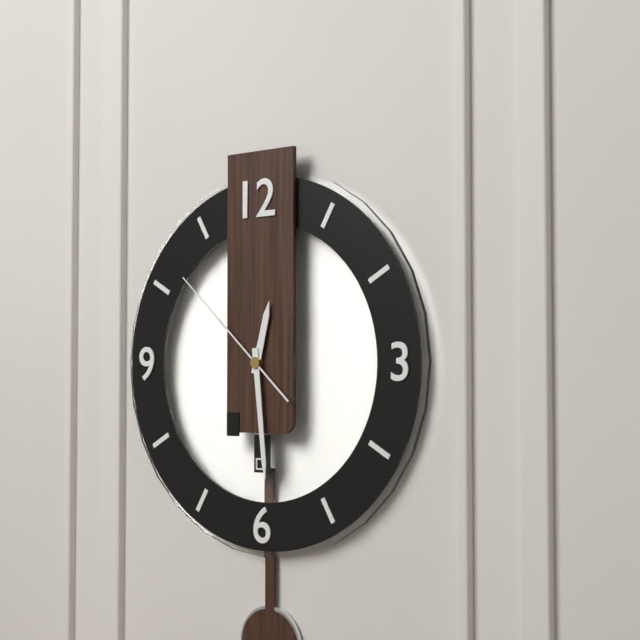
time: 12:29:52
